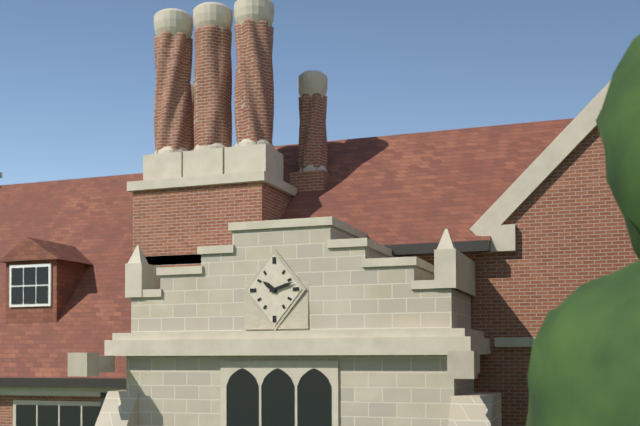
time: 10:12
